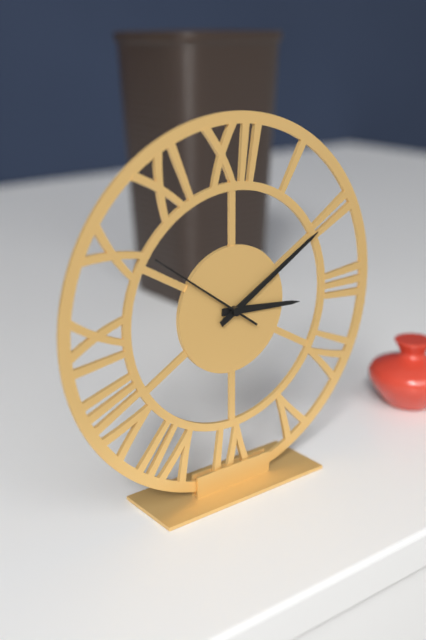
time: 3:10:51
